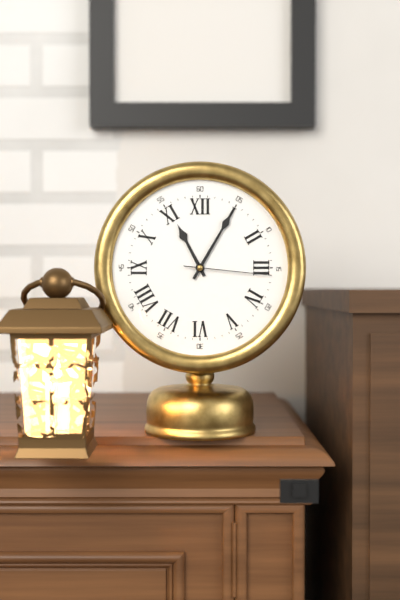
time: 11:05:16
